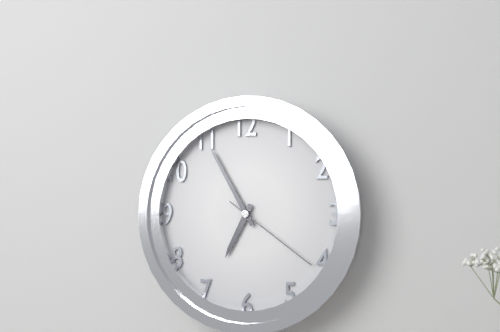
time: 6:55:21
